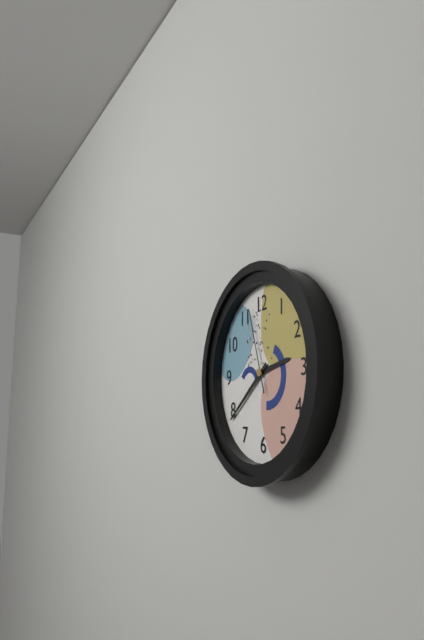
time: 2:39:57
